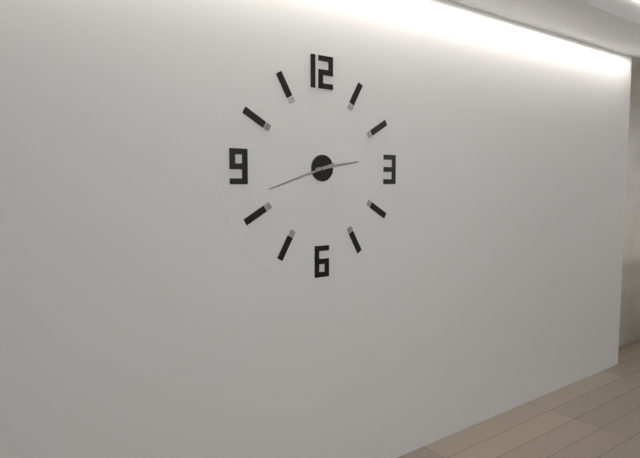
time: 2:42
